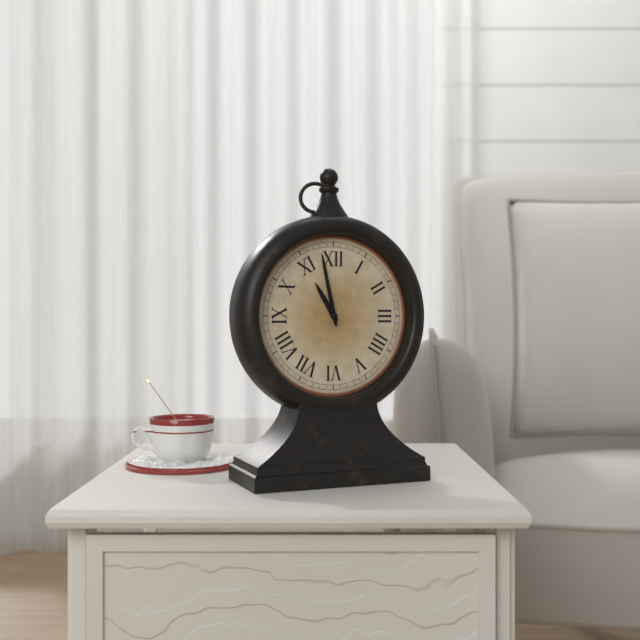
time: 10:58
